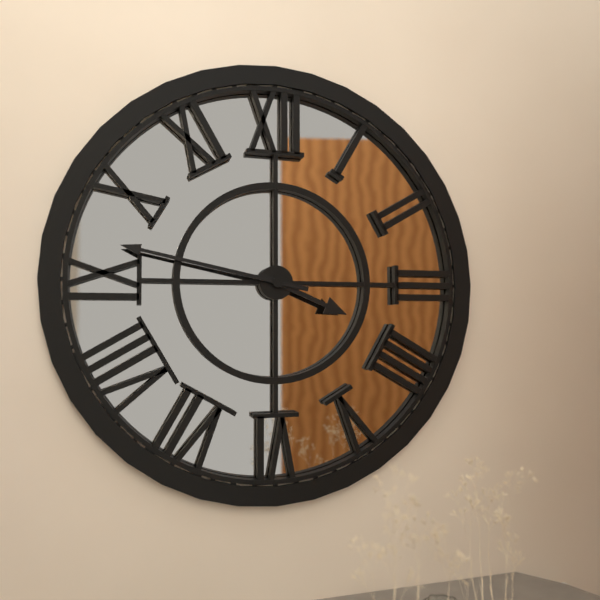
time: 3:47
